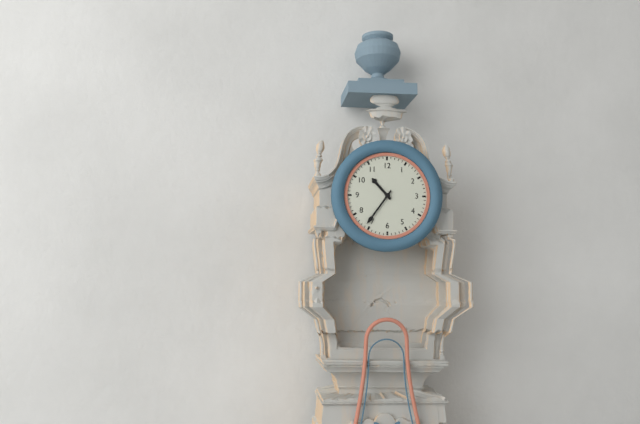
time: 10:36
